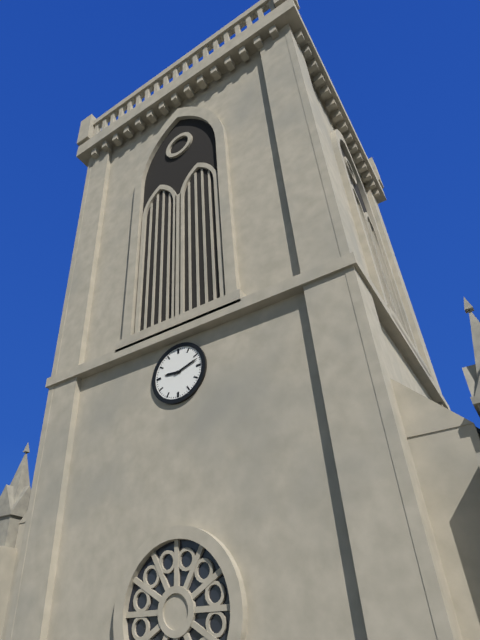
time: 9:12
